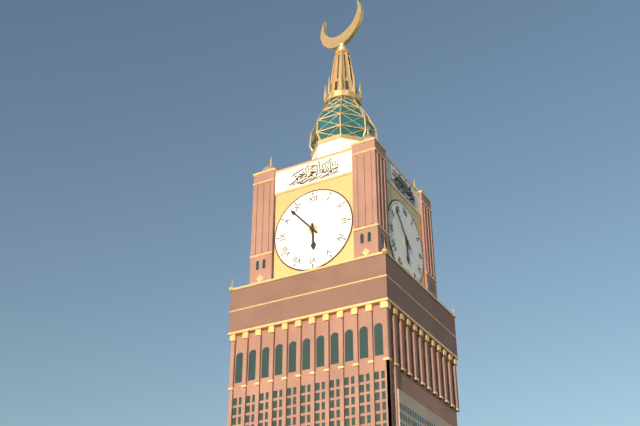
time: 5:53
